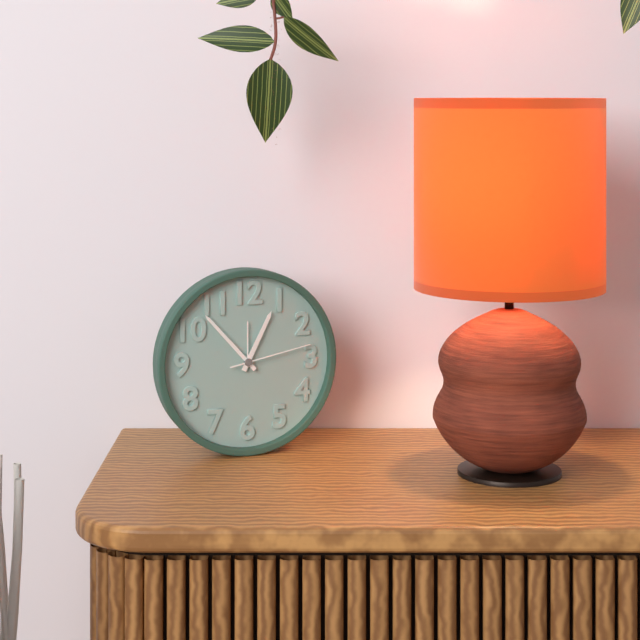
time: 12:53:13
